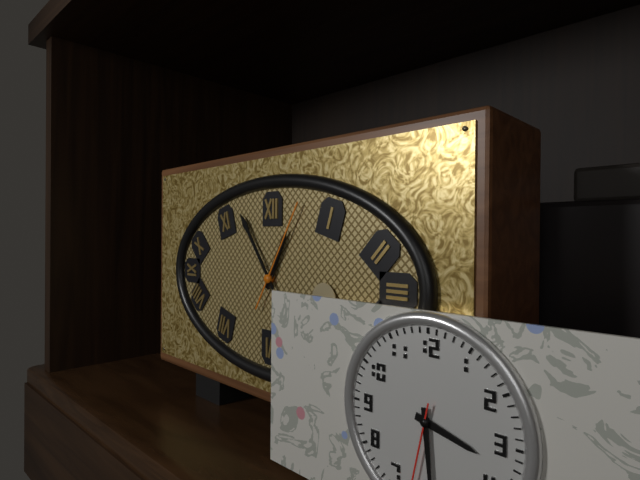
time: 12:54:05
